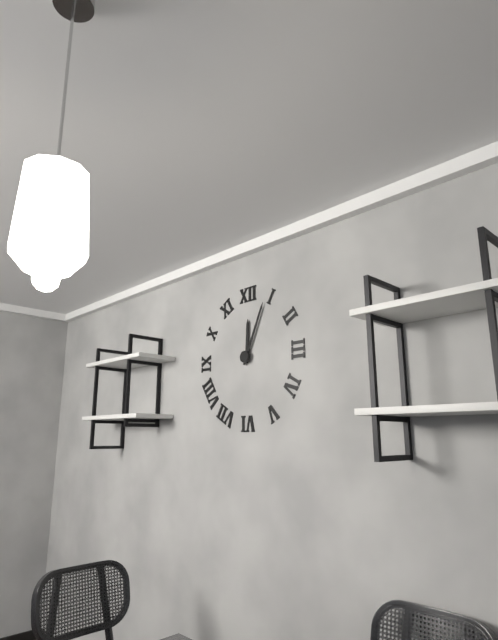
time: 12:04
